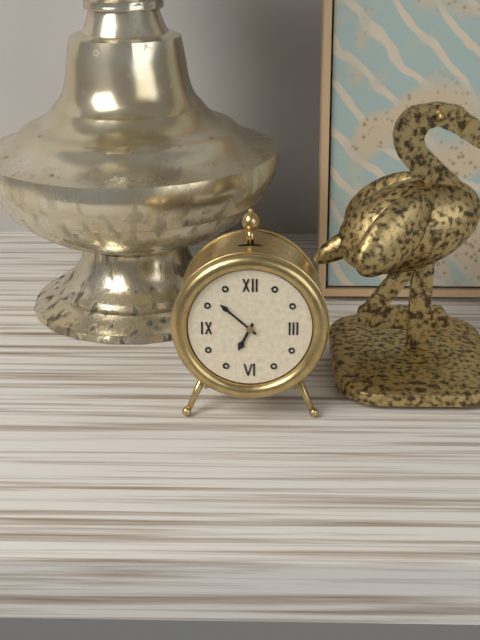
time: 6:52
